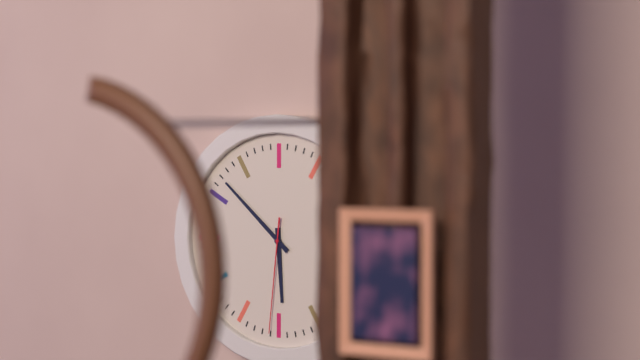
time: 5:52:31
